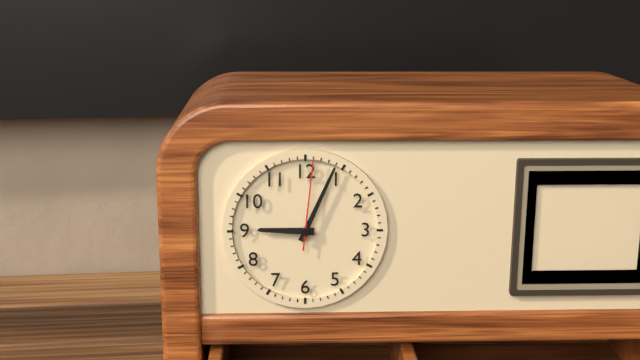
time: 9:04:01
